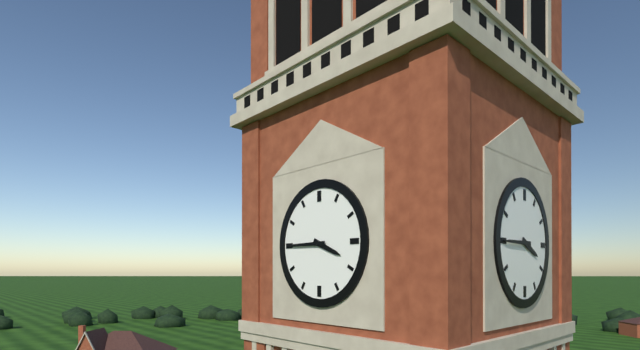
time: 3:45
